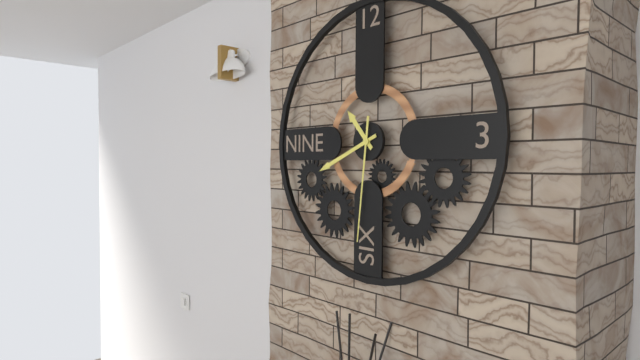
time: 10:41:31
